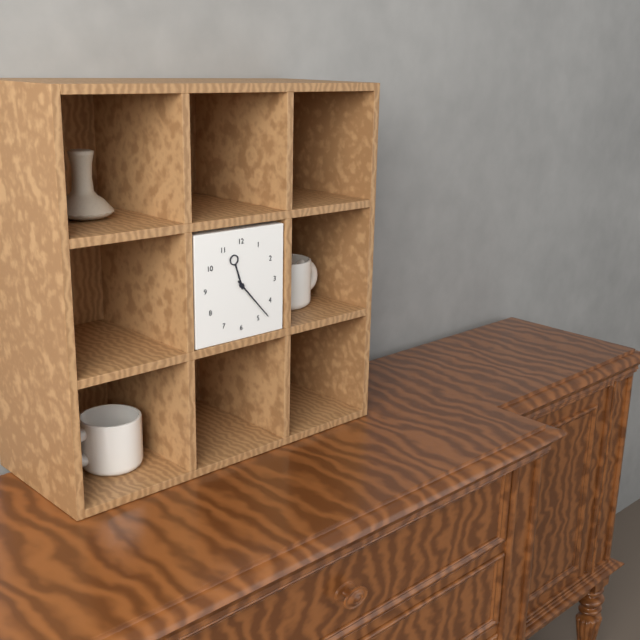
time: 11:23
